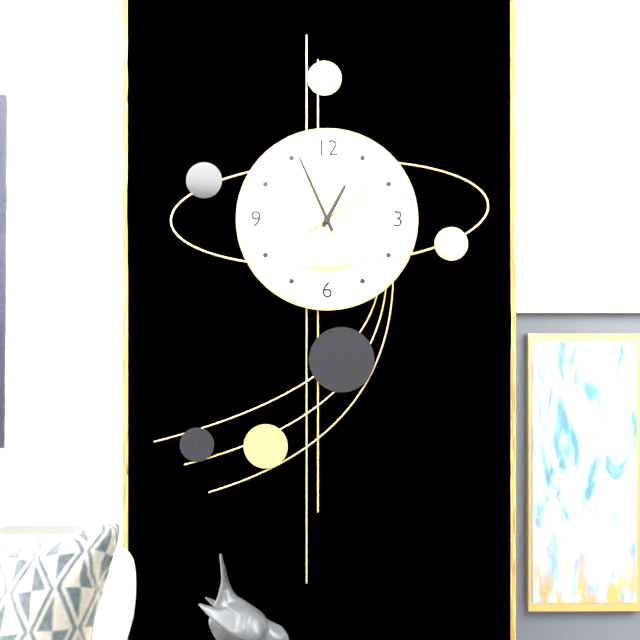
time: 12:56:09
